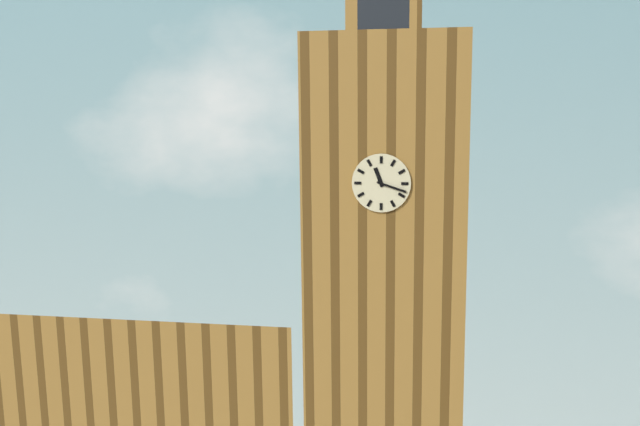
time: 11:18
